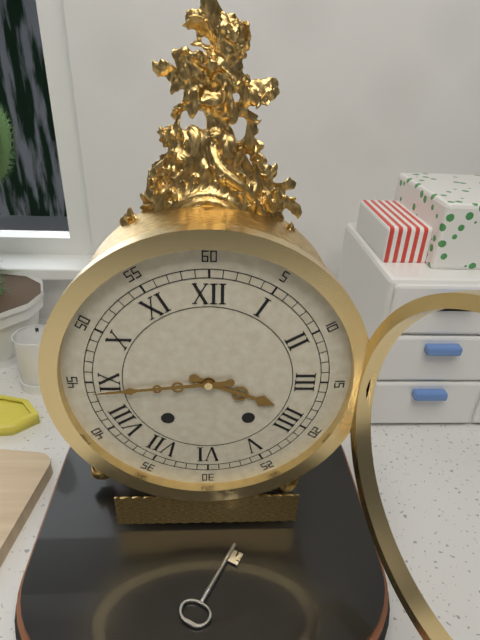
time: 3:44
